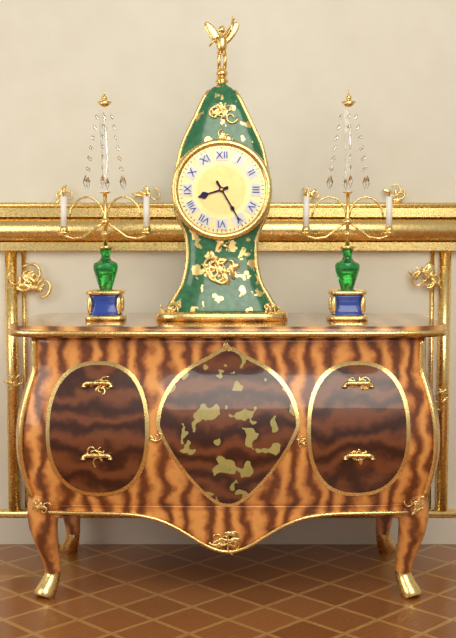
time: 8:25
